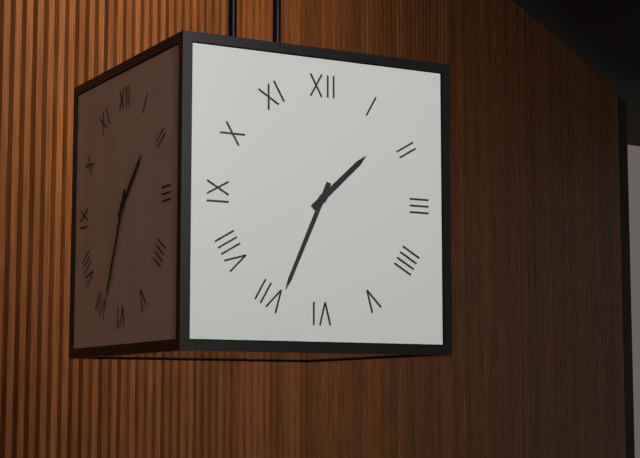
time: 1:34
